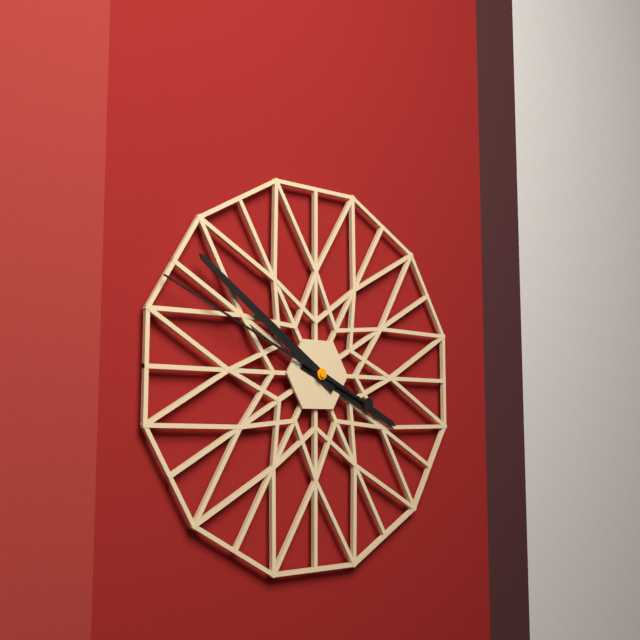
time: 3:51:49
